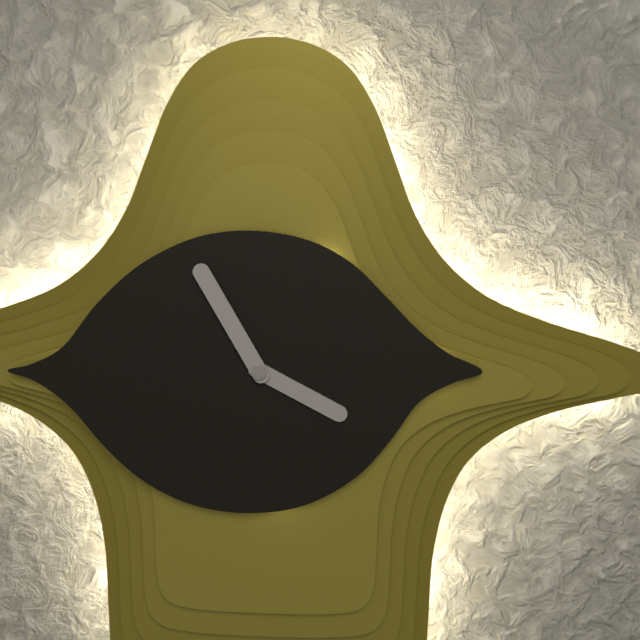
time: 3:55
